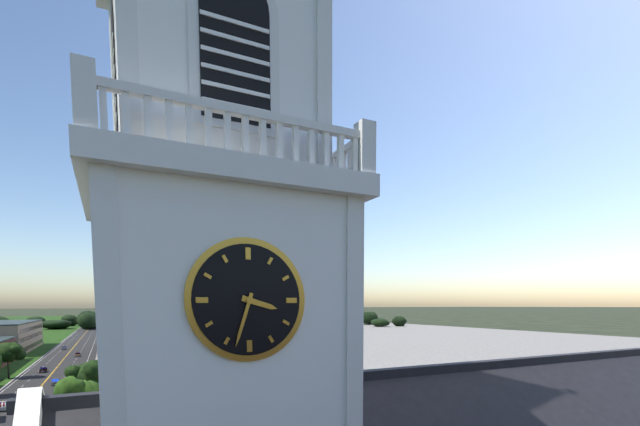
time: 3:33
